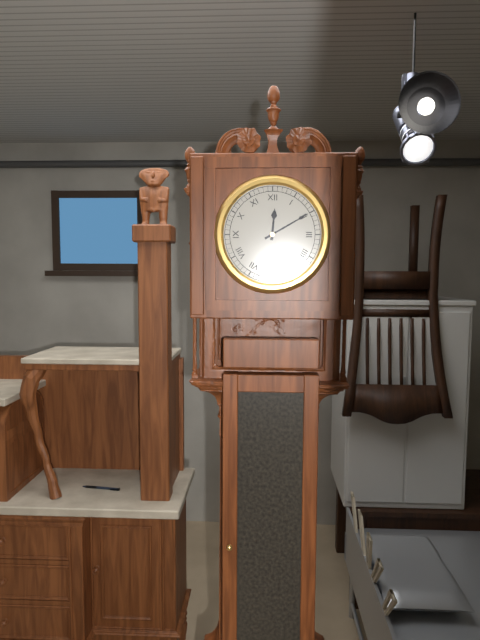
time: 12:10
